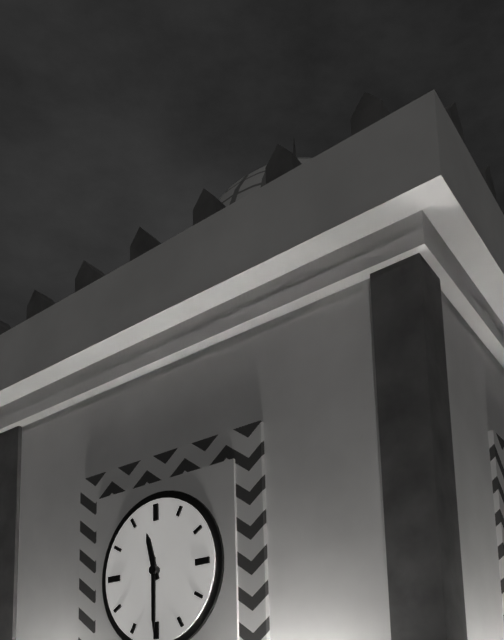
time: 11:30
